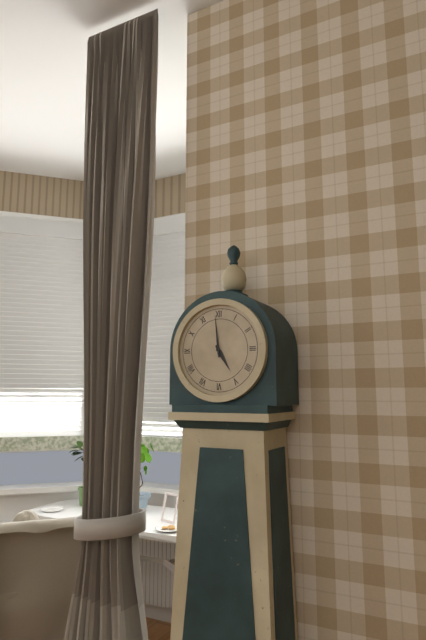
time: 4:59
